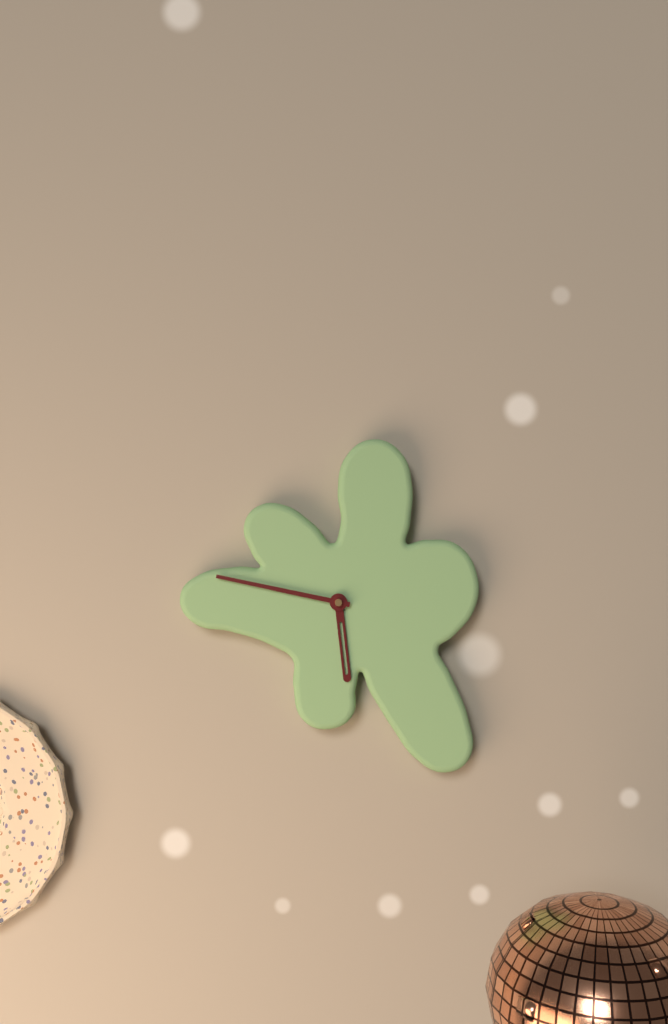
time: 5:47
